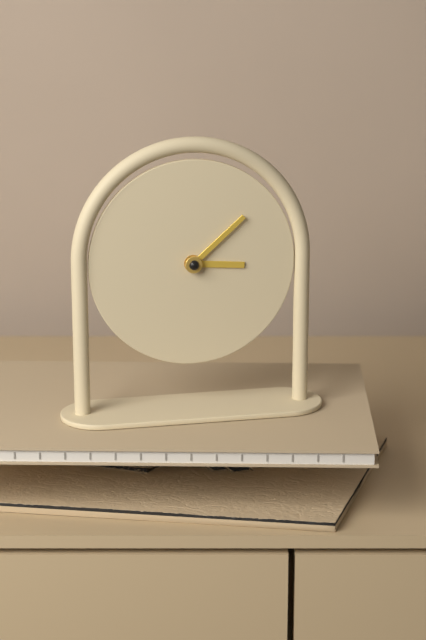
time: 3:08
